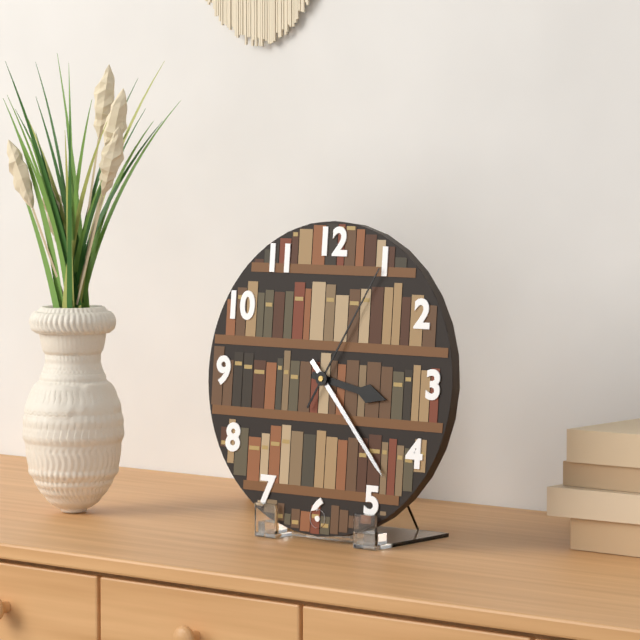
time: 3:23:05
